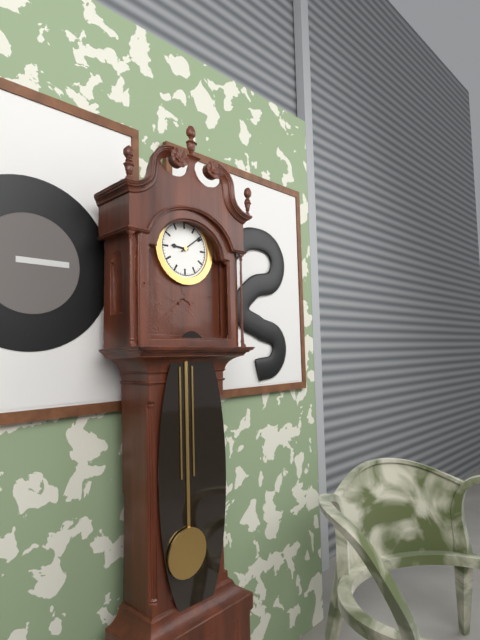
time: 9:09
